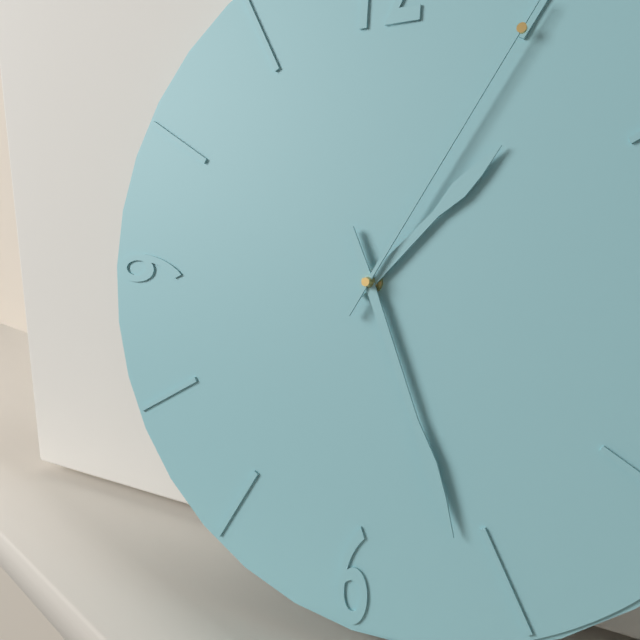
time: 1:26
